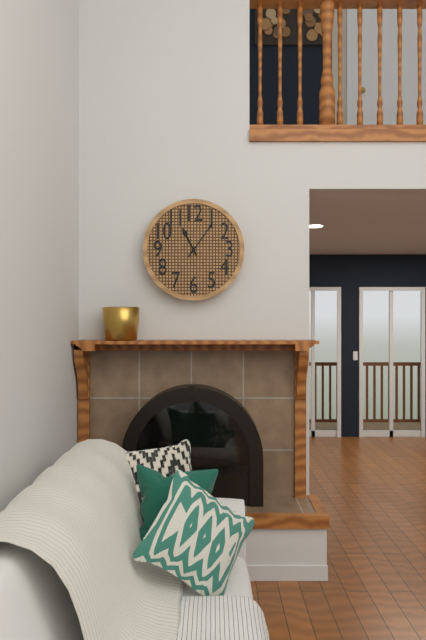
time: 11:06
